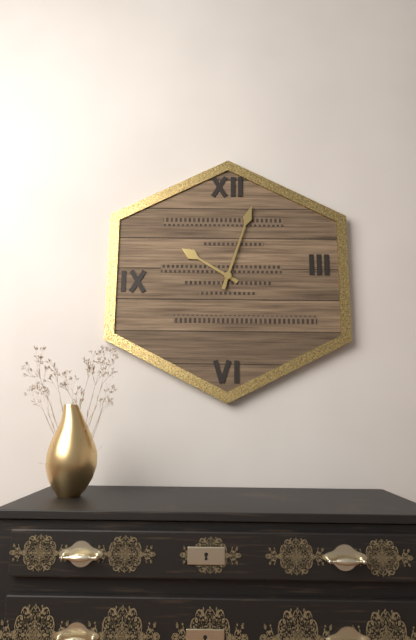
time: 10:03
